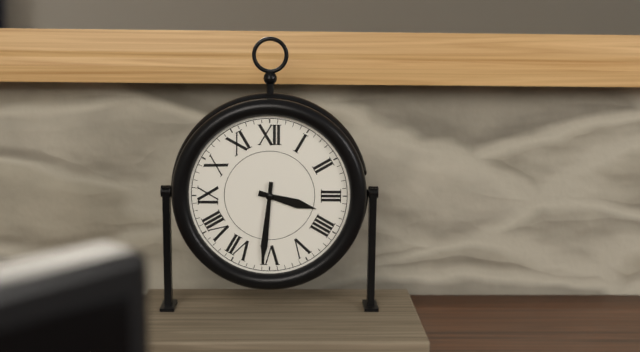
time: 3:31
